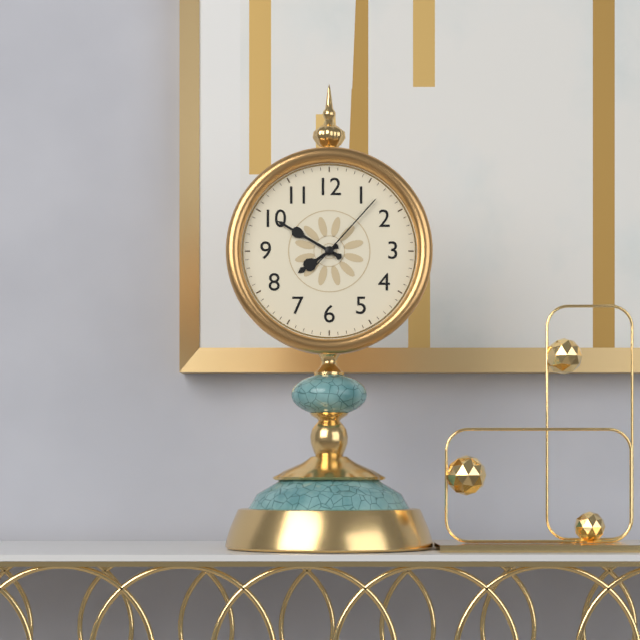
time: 7:50:07
